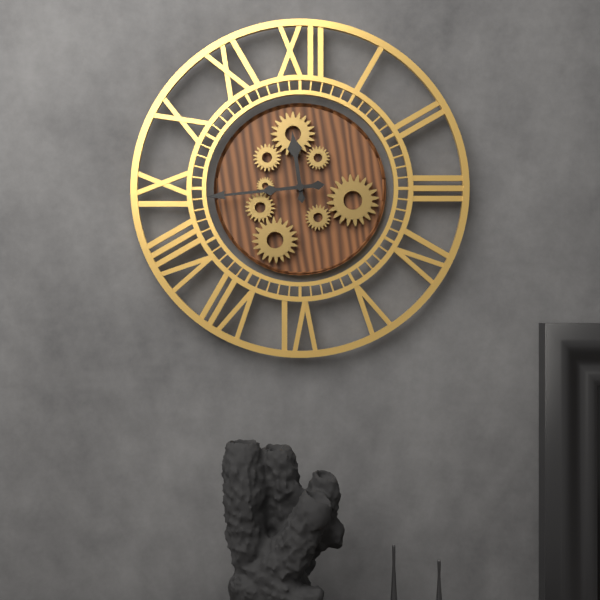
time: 11:44
